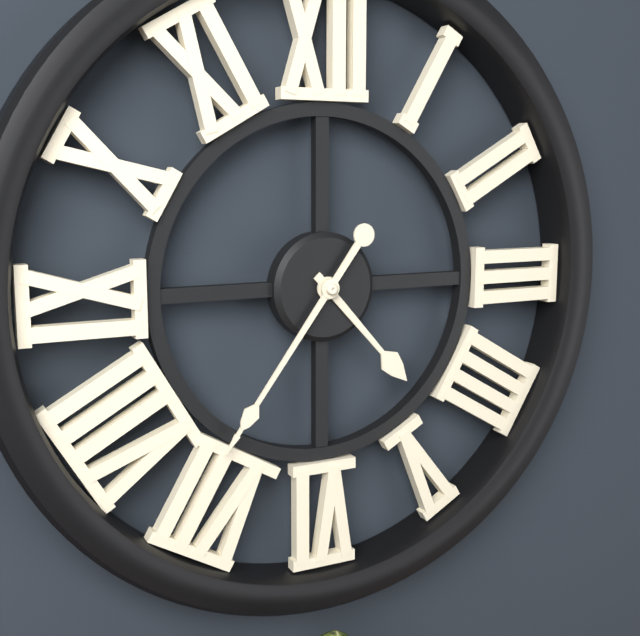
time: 4:36
